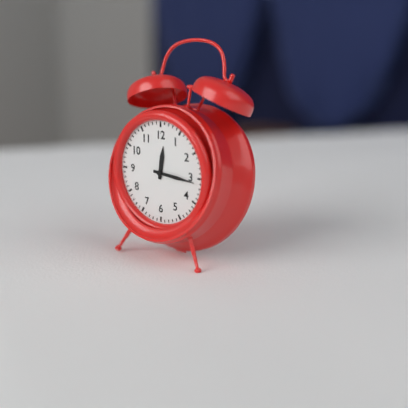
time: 12:16
